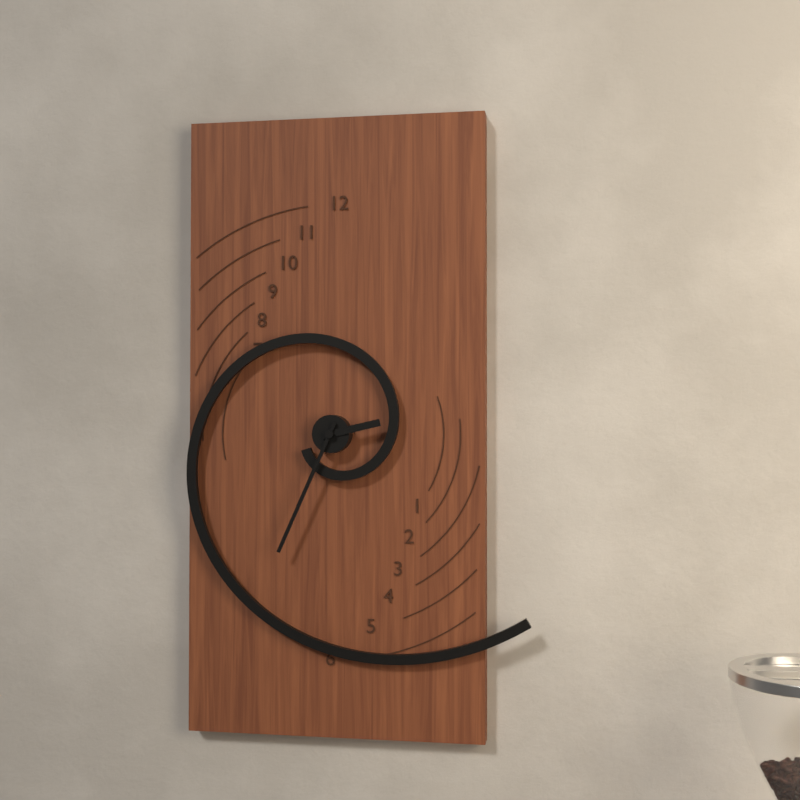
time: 2:34
